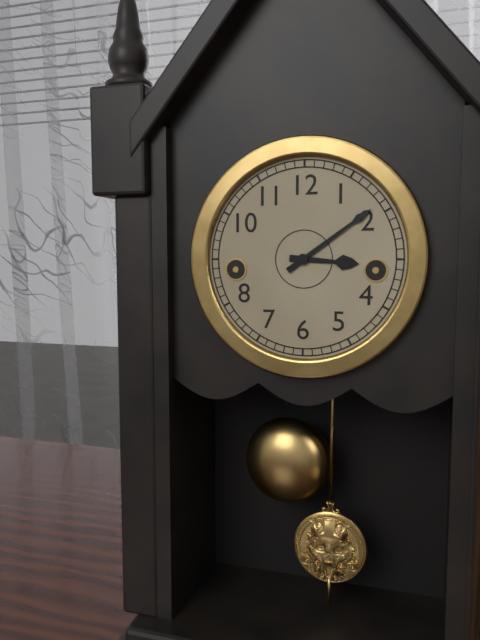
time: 3:09
